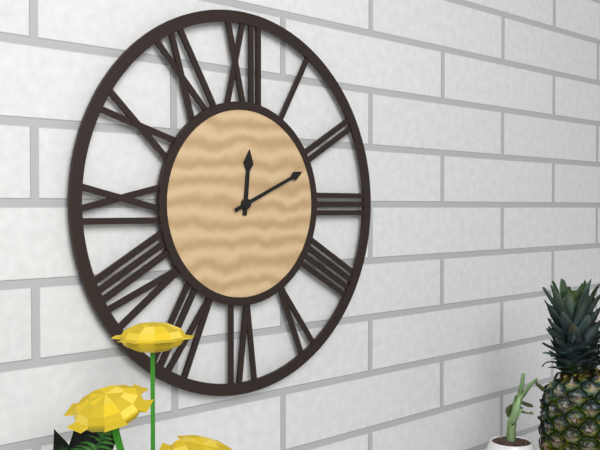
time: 12:11
